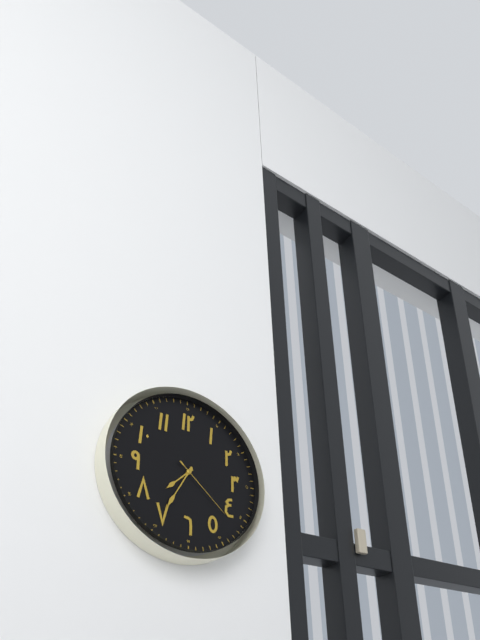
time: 7:35:22
